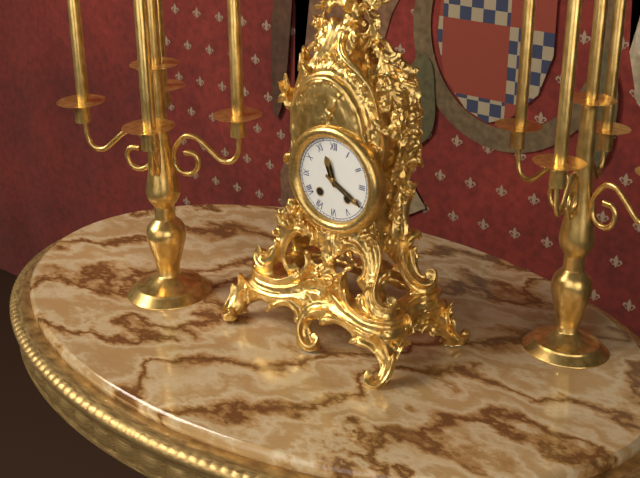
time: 11:20
